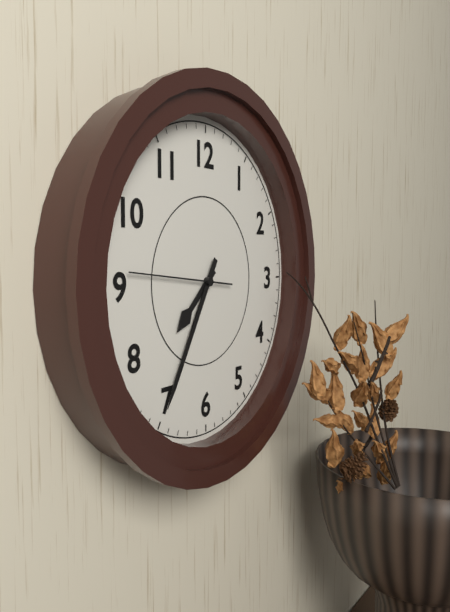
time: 7:35:46
